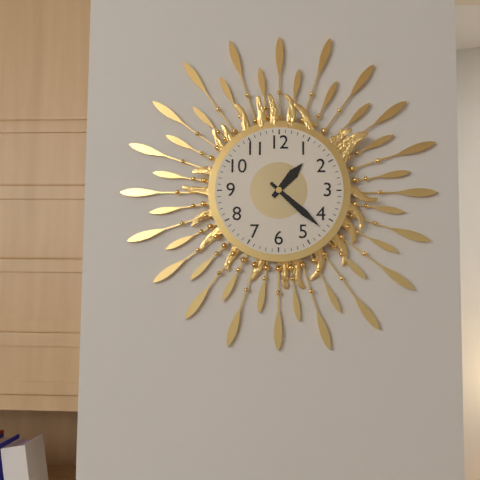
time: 1:22
